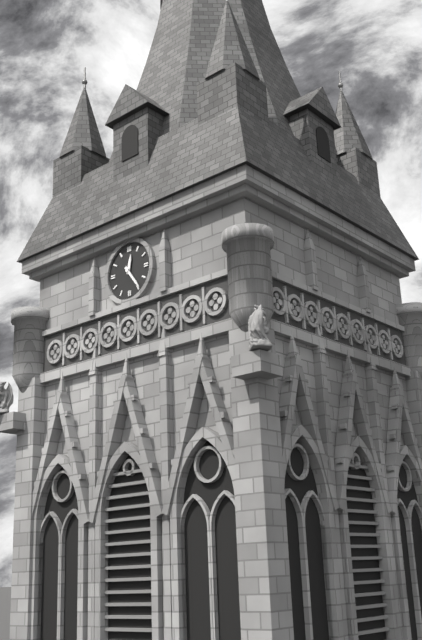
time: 12:24
